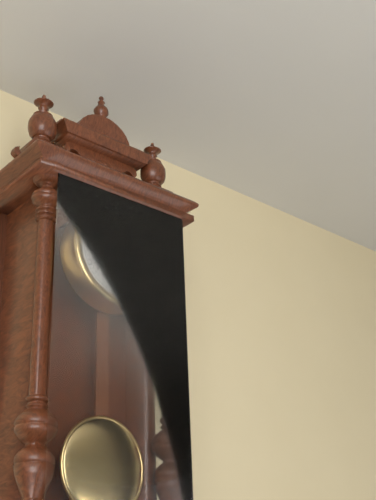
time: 12:55
